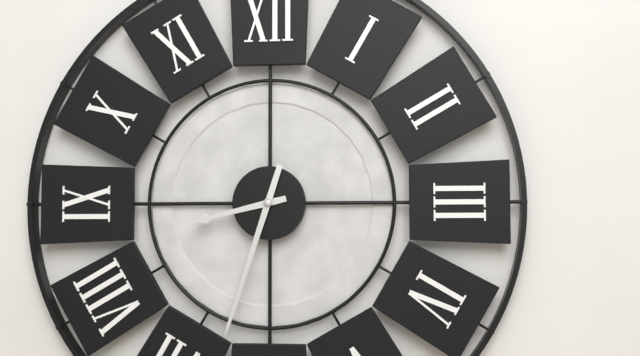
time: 8:33
